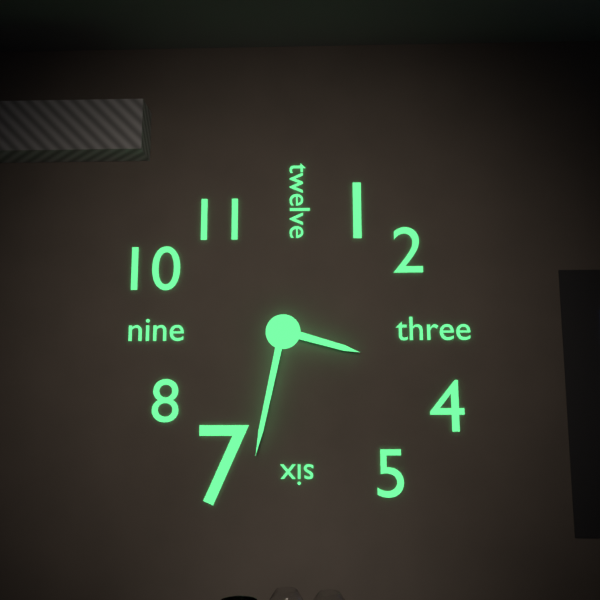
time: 3:32
